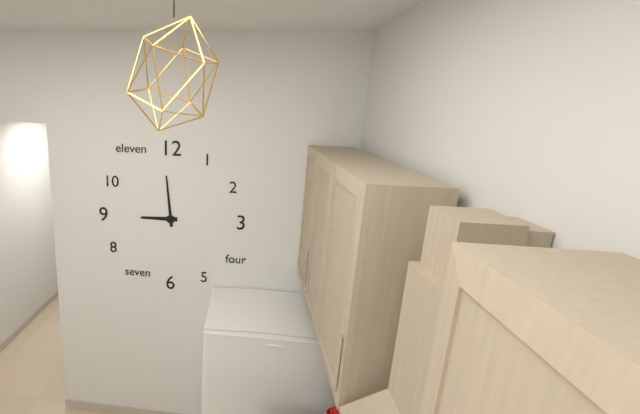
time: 8:59
